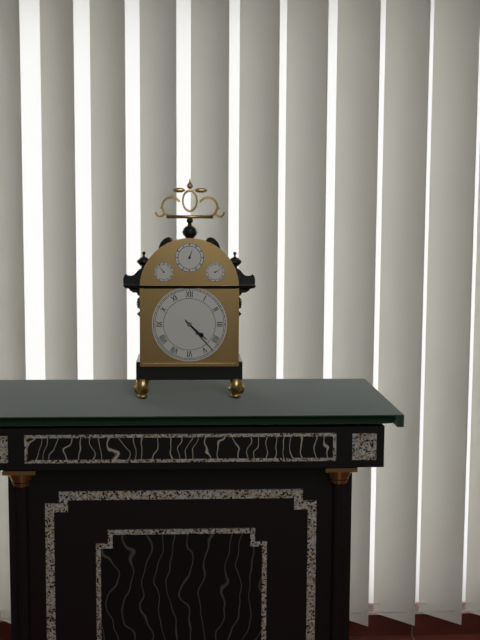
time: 4:23
